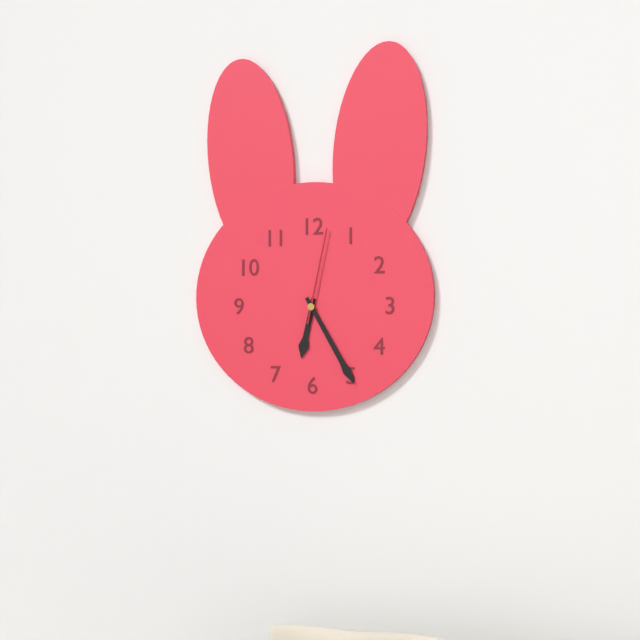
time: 6:25:02
